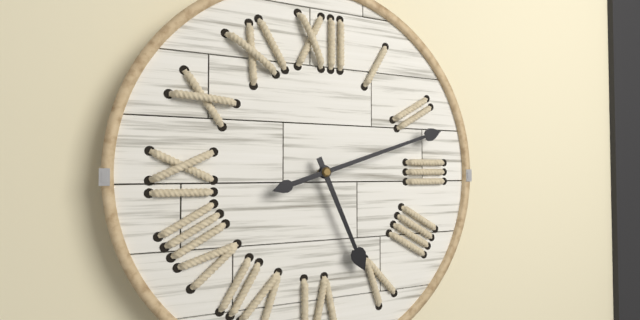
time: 5:12
